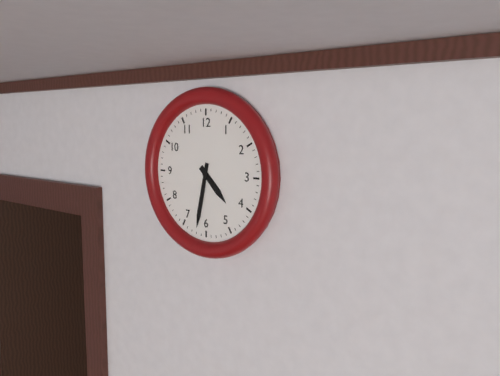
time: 4:32
